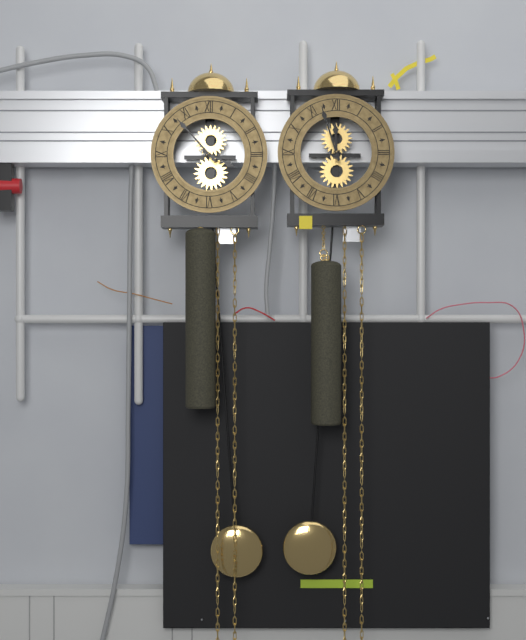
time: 3:53
